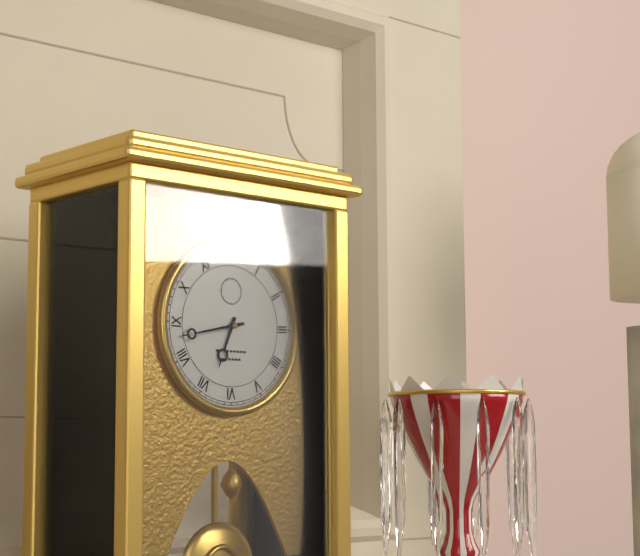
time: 6:43
